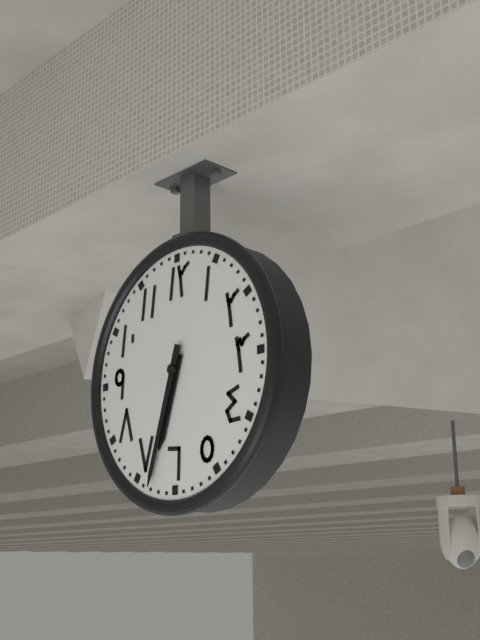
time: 6:33
